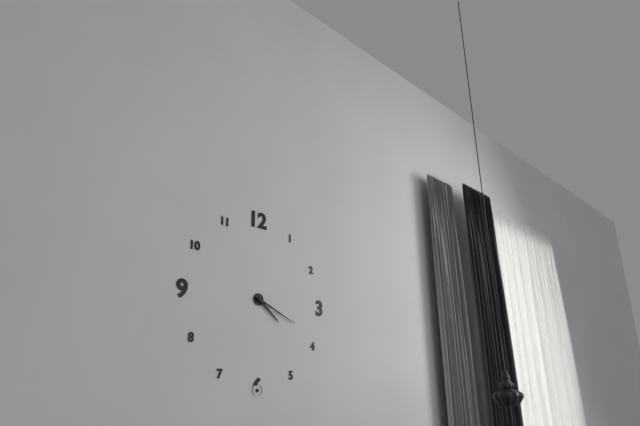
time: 4:19
